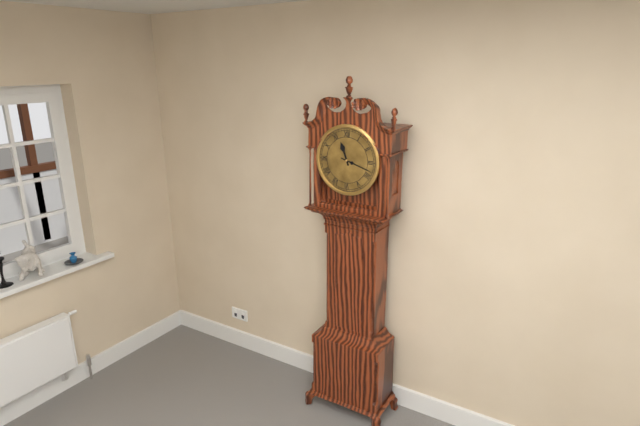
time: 11:18
